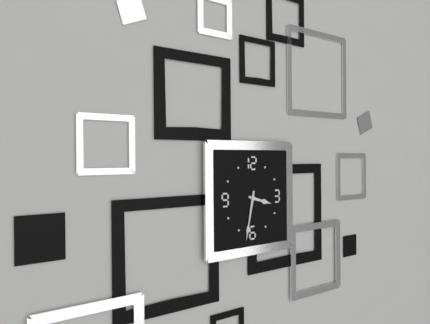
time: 3:32
